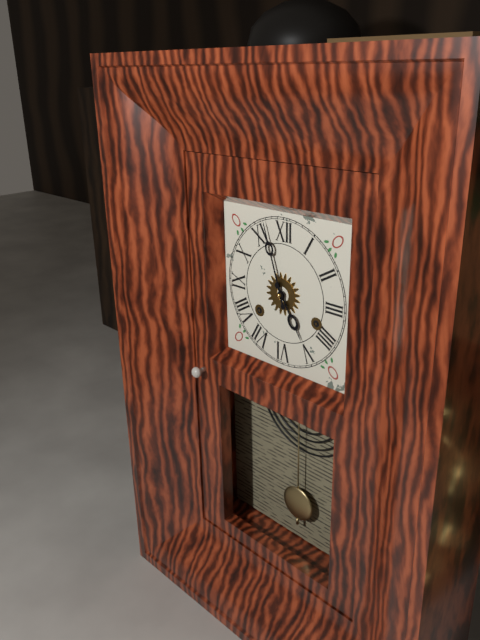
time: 4:57
